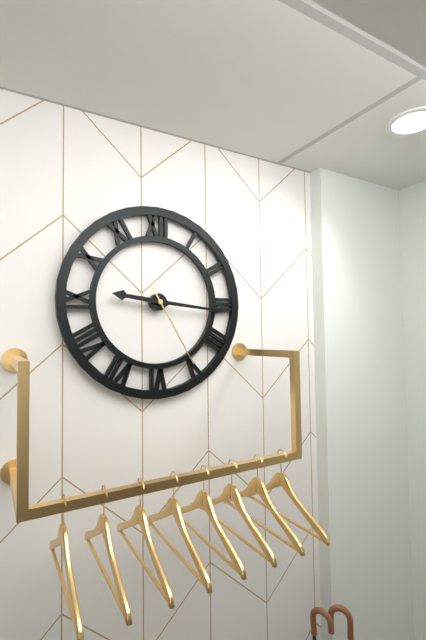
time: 9:16:25
